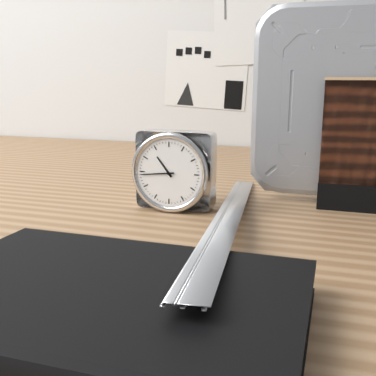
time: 10:44
